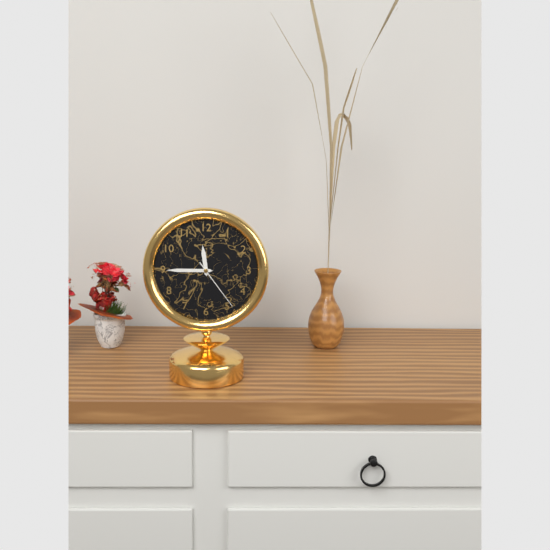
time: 11:45:24
